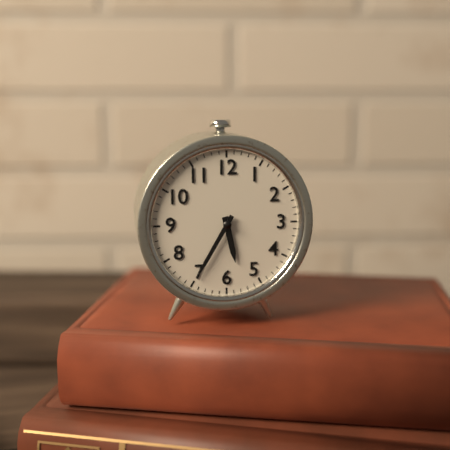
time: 5:35
